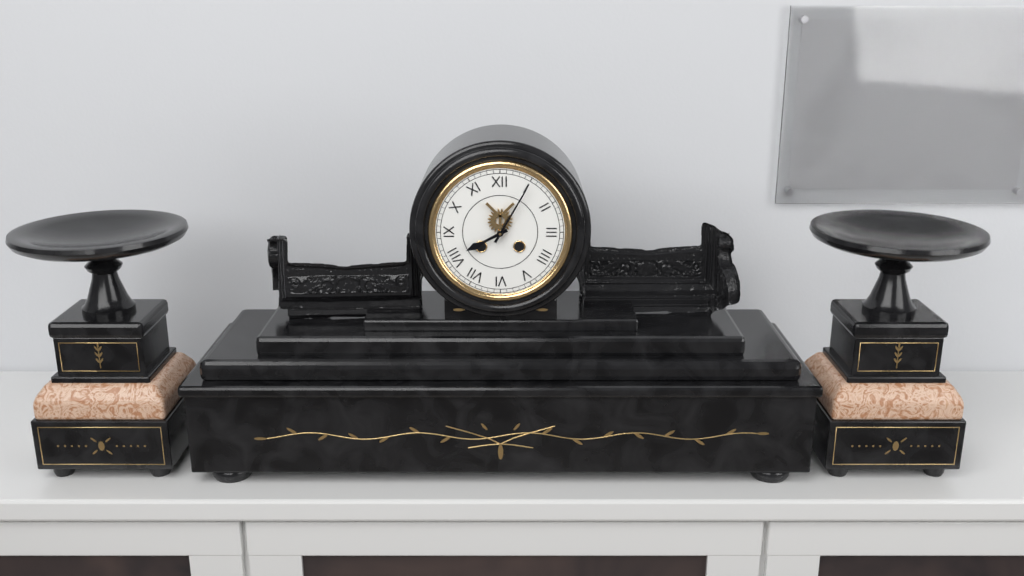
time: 8:05
